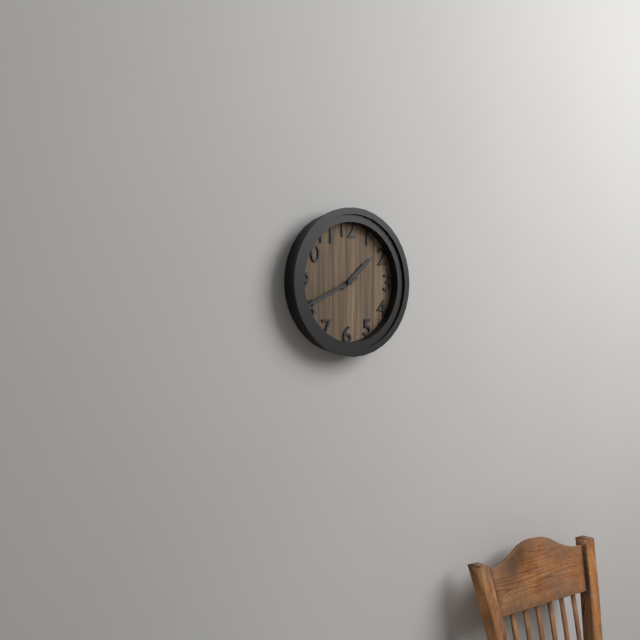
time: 1:41
